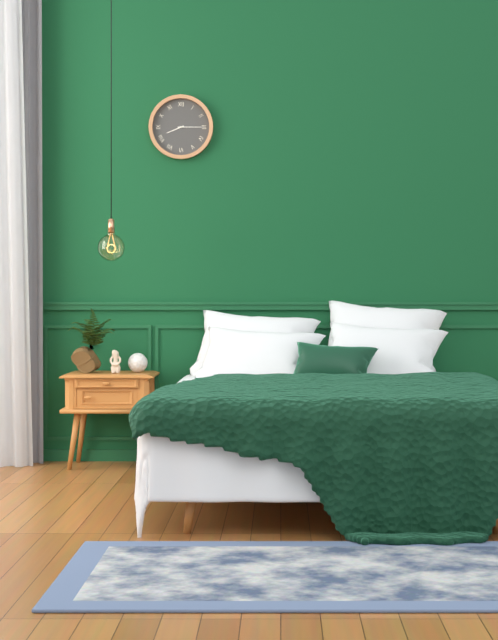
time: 8:15
